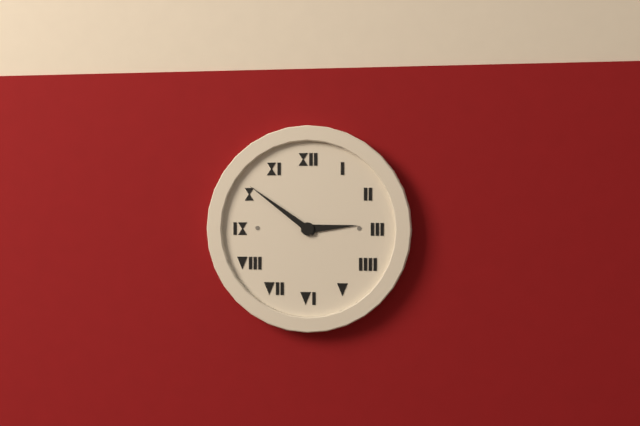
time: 2:51
